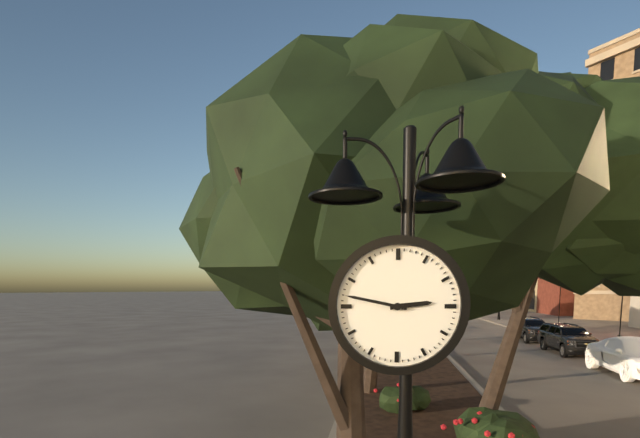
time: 2:47
